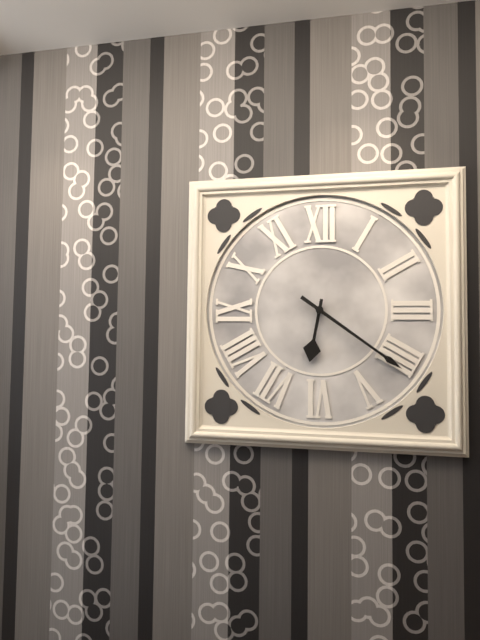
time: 6:21
